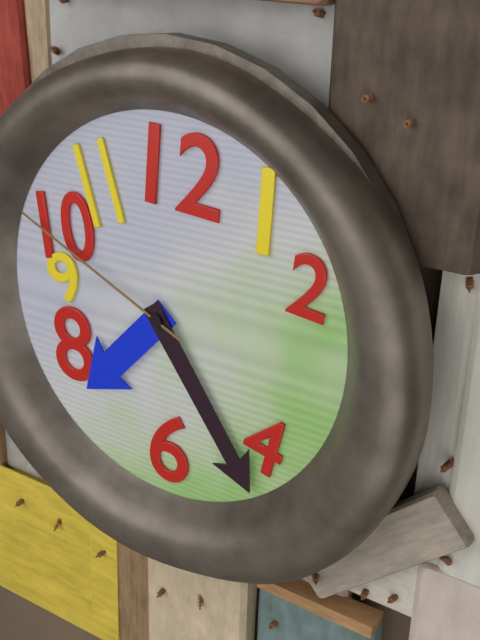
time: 7:24:49
